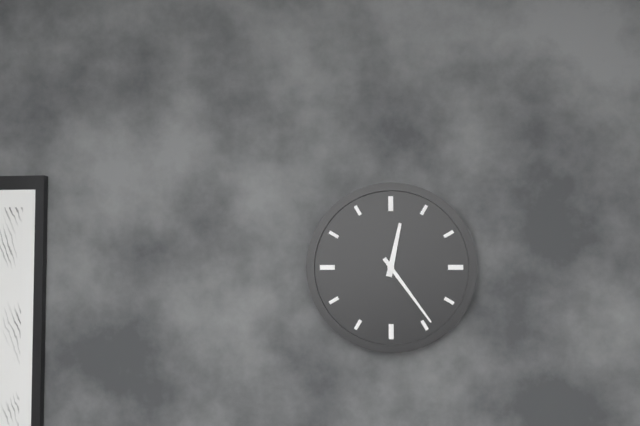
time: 12:24
